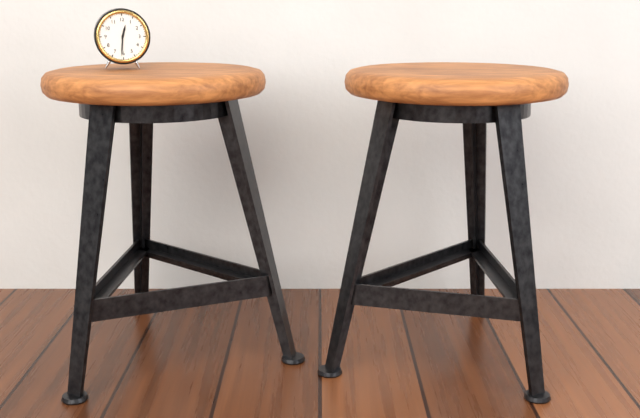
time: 12:31
